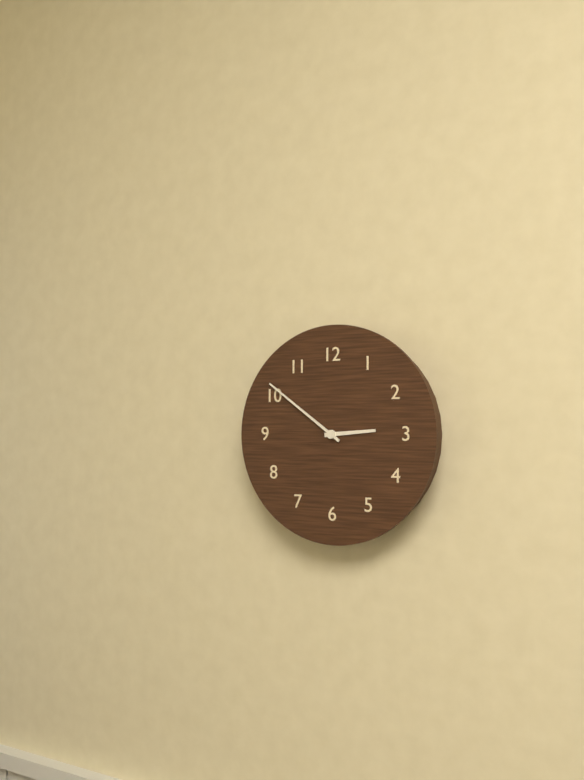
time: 2:51
